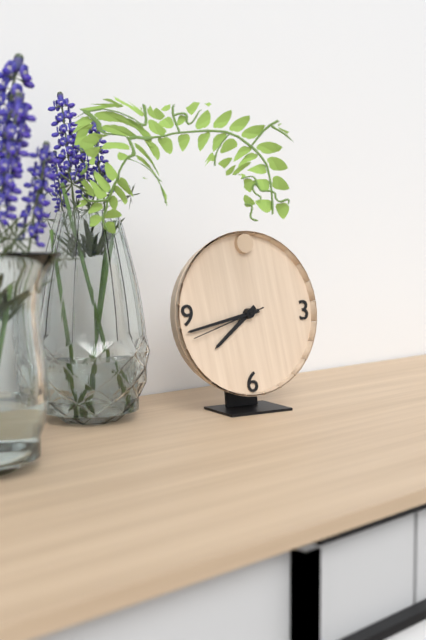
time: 7:43:42
